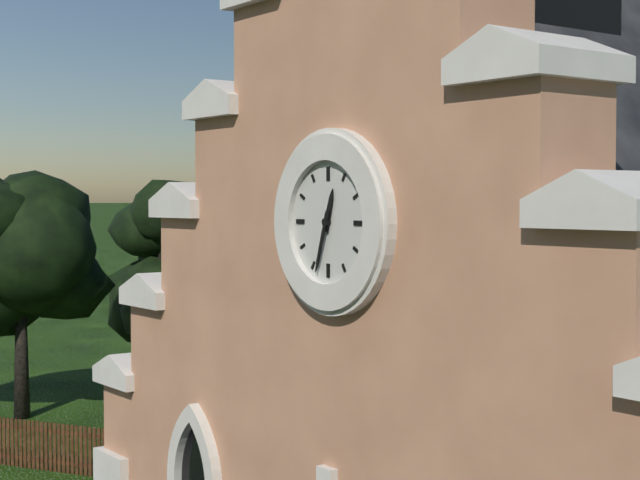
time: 12:33
